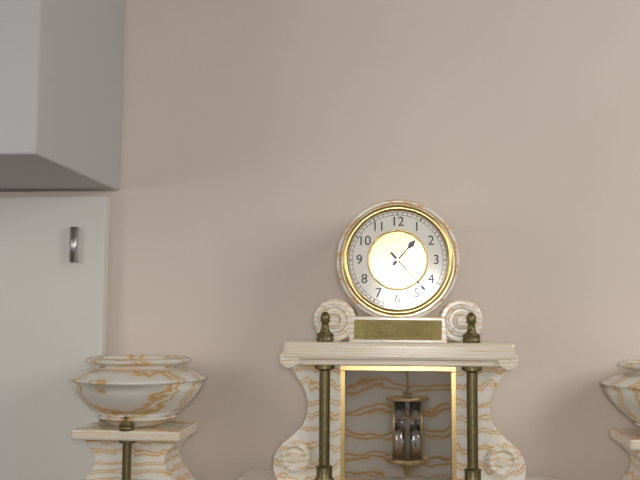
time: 1:23
